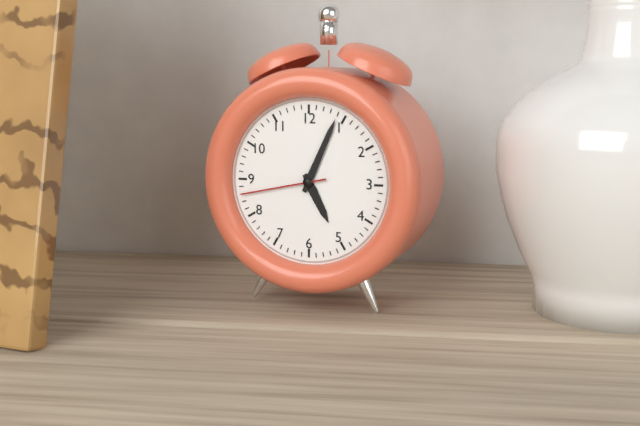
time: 5:04:43
